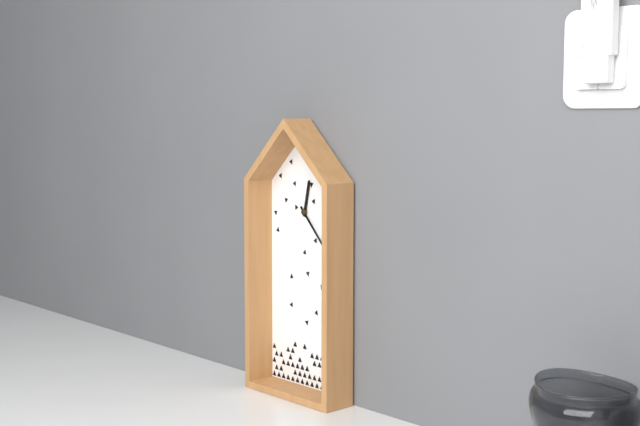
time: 12:23
